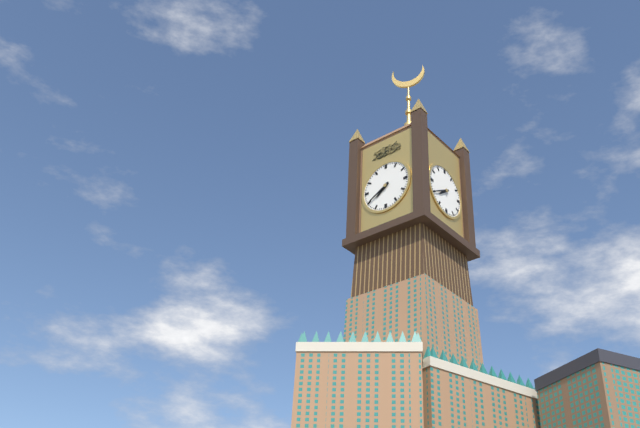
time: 7:40
